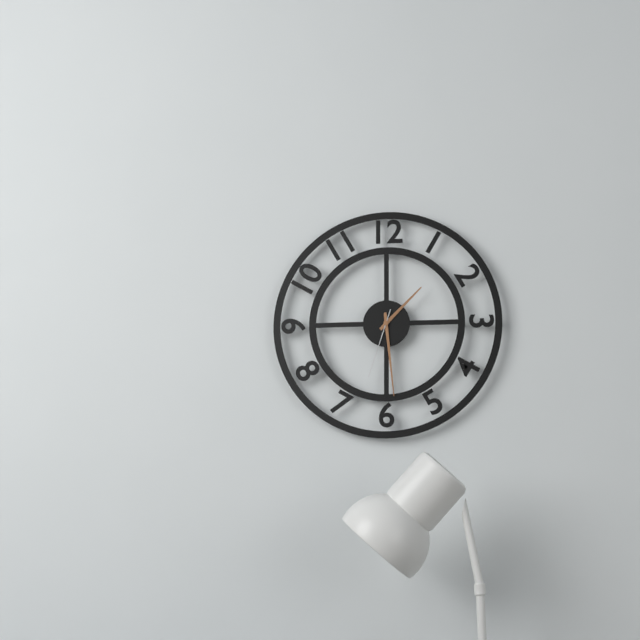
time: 1:29:33
